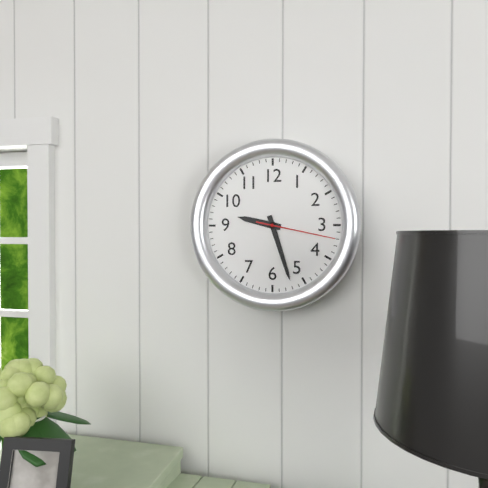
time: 9:27:17
